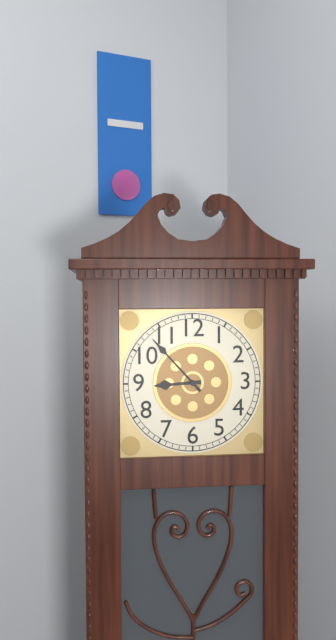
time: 8:53
